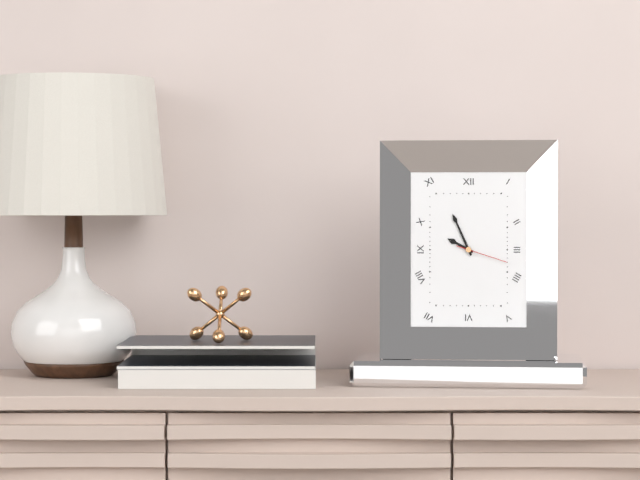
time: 9:56:18
